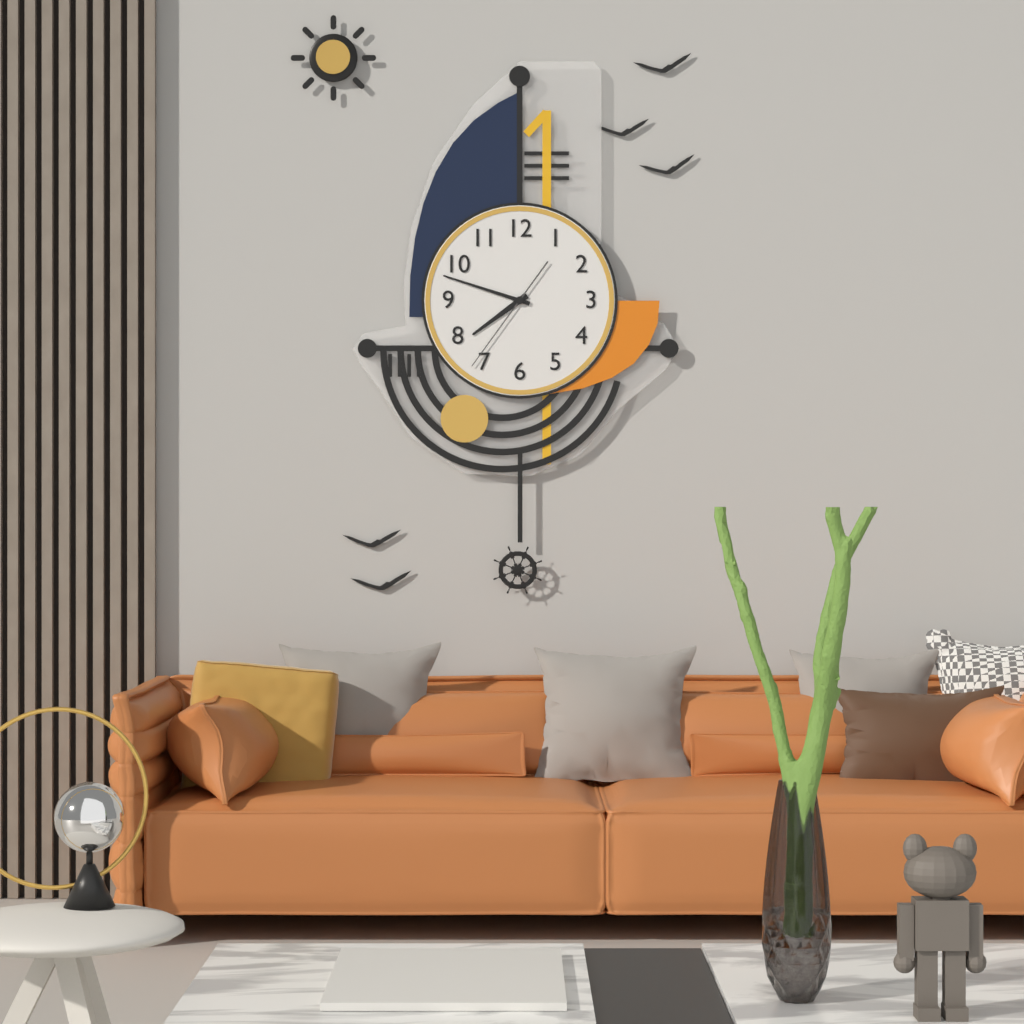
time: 7:48:36
